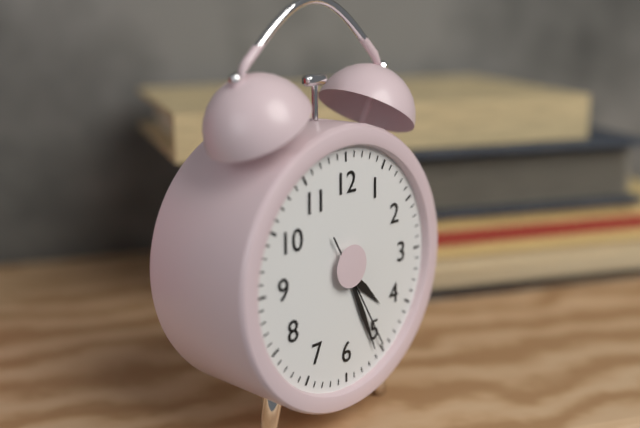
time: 4:26:25
